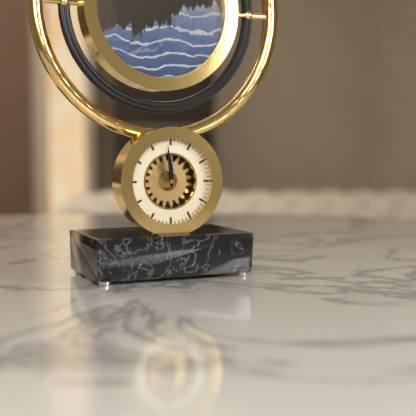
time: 11:59
